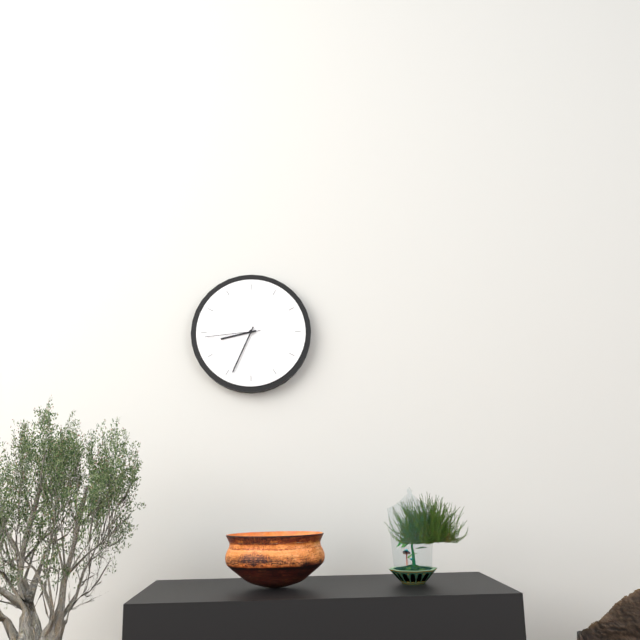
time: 8:34:44
